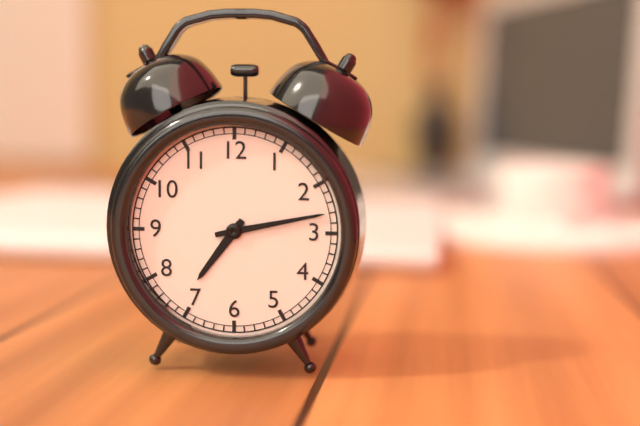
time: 7:13
